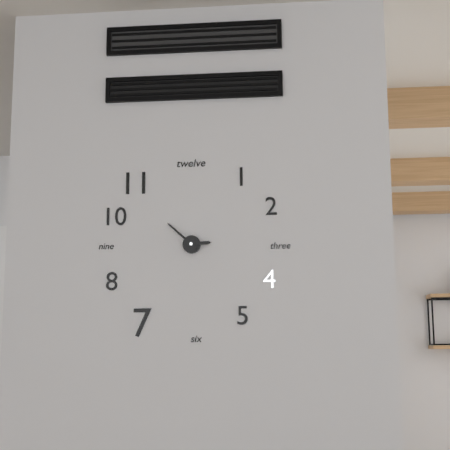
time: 2:52
